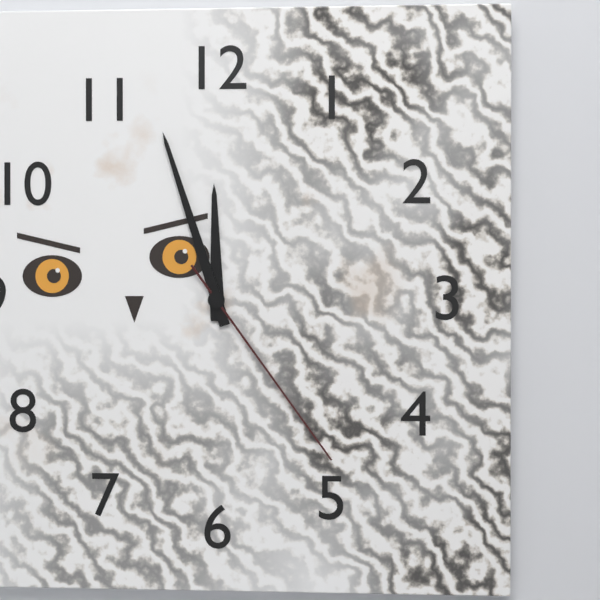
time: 11:57:24
